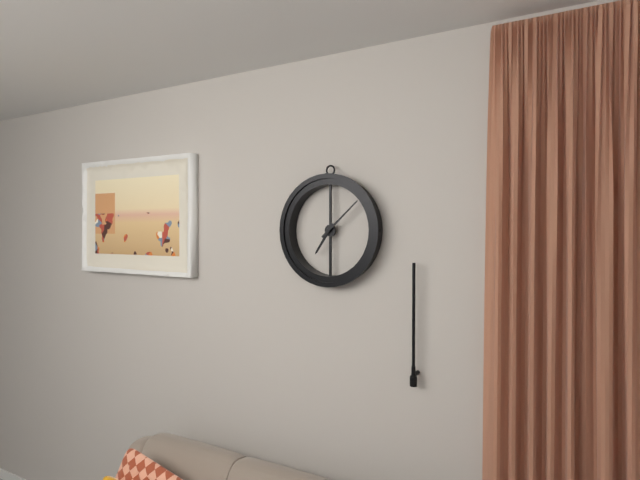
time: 7:08
